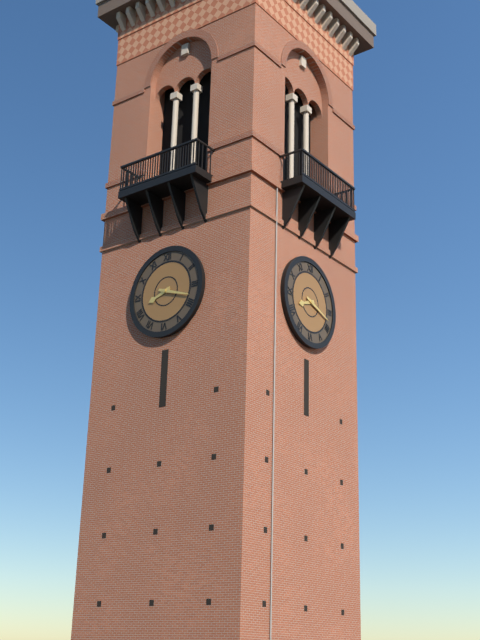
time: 8:18
